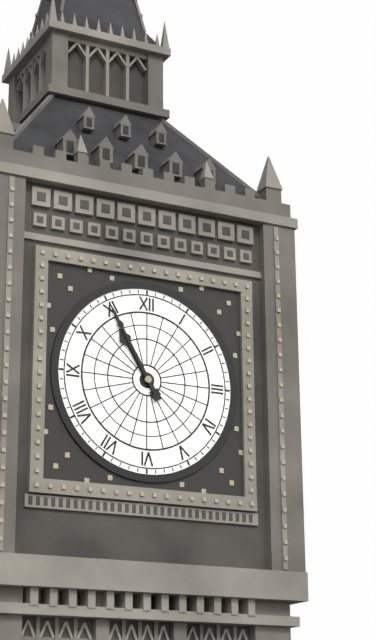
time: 10:55
